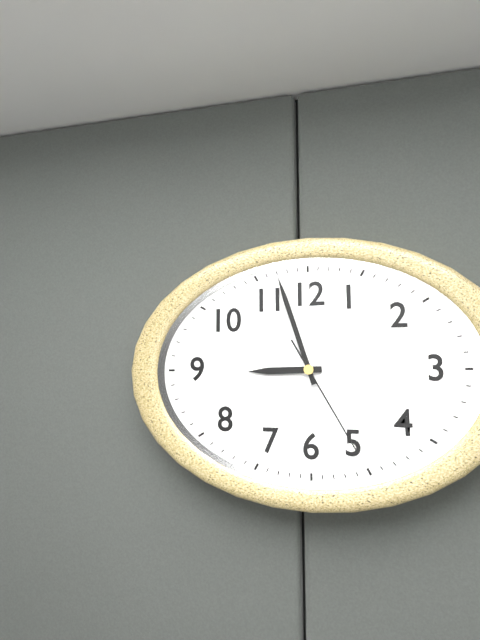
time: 8:57:25
